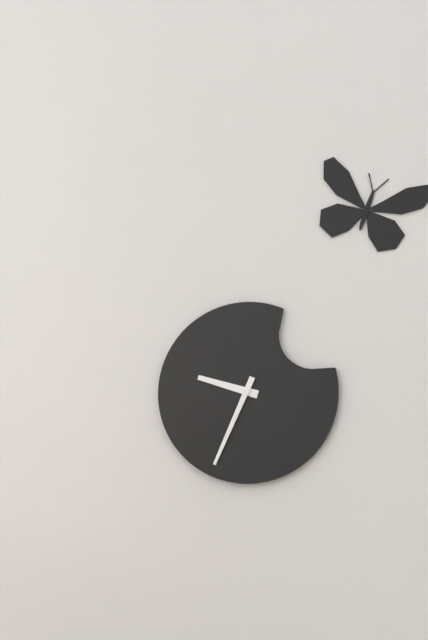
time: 9:34
